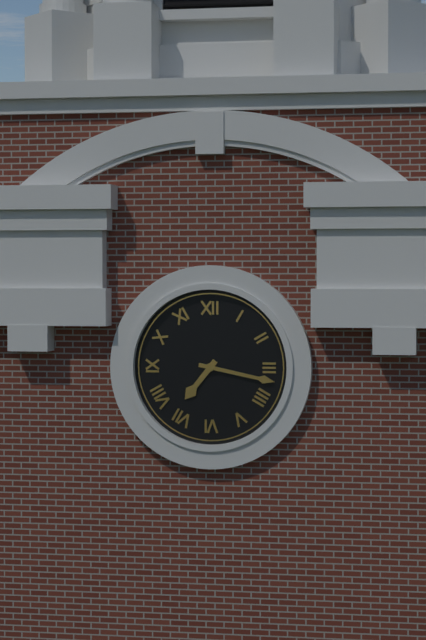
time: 7:17
